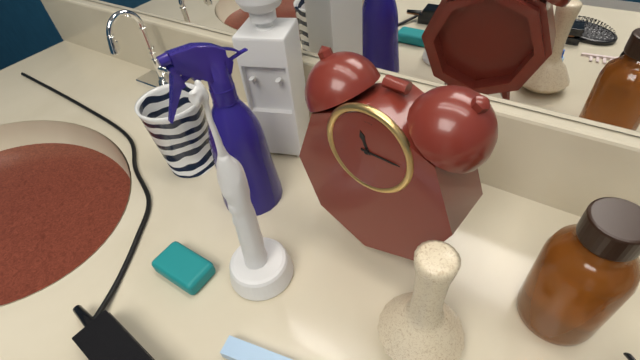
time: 11:15
